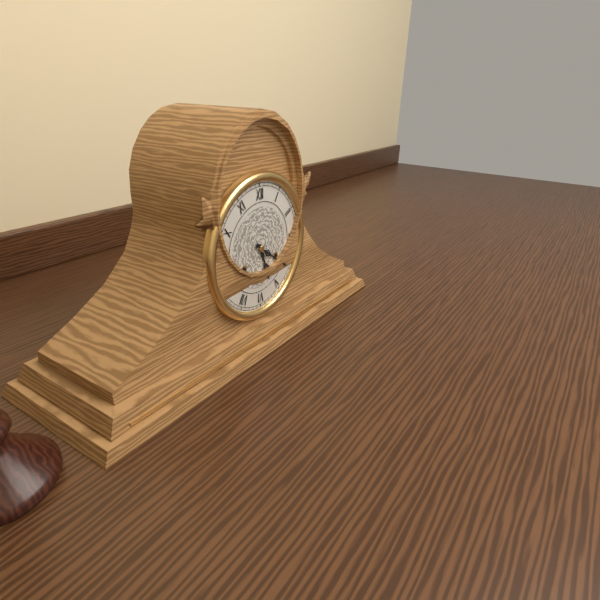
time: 5:21
